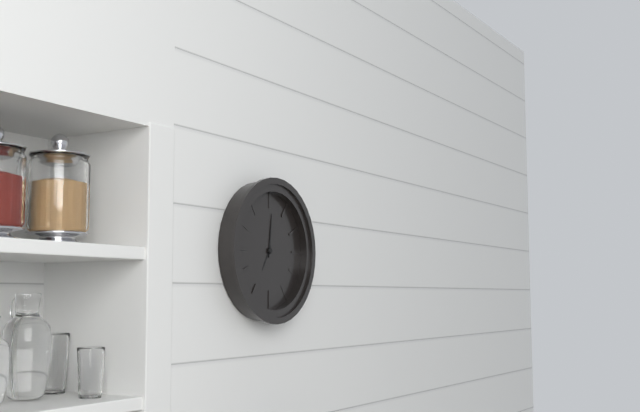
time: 7:01
